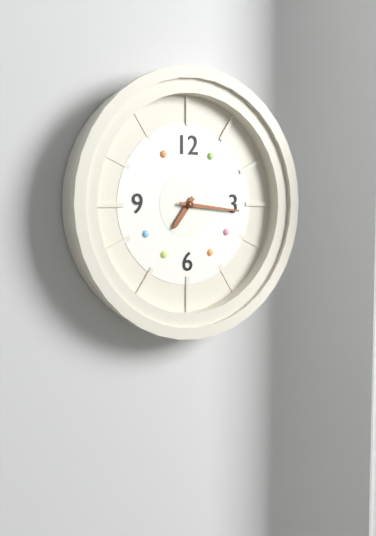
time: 7:16
